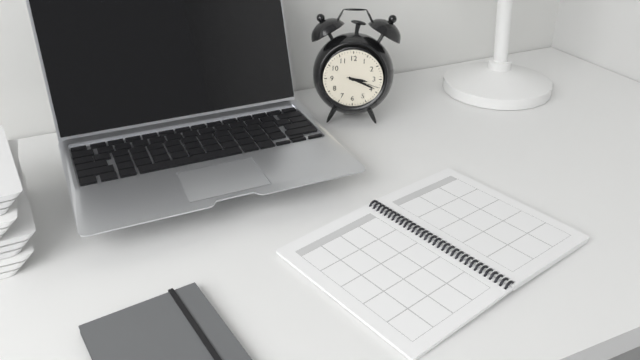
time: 3:19
